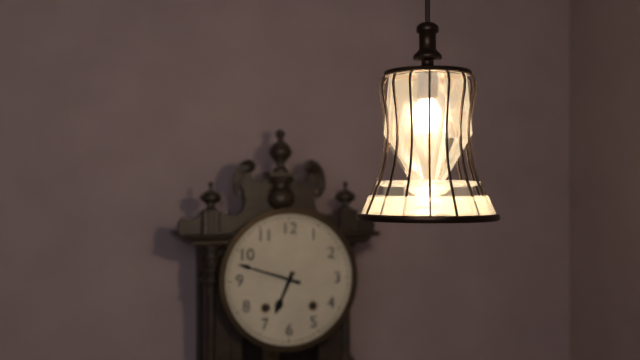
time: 6:48
